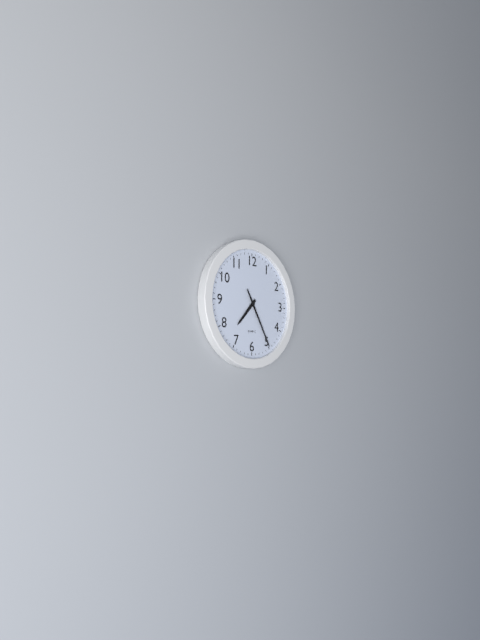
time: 7:25
